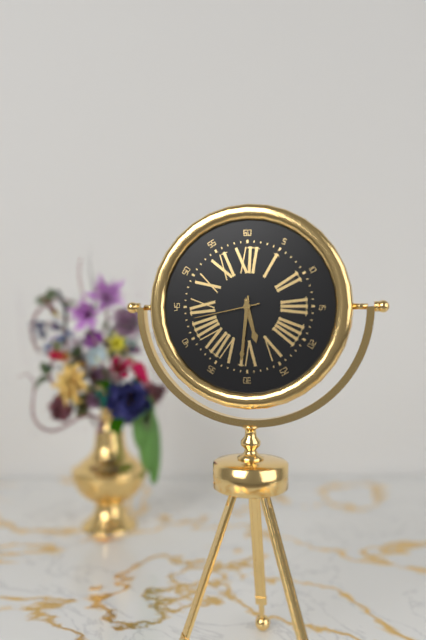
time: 5:31:43
